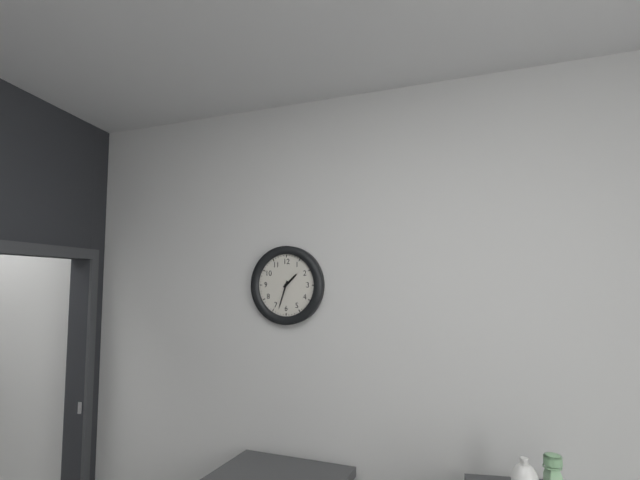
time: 1:33
